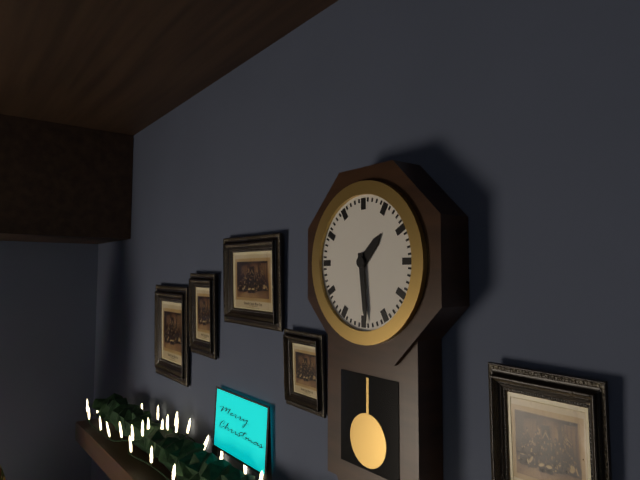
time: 1:29
